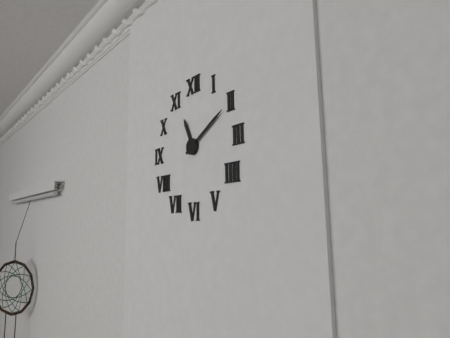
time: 11:10
